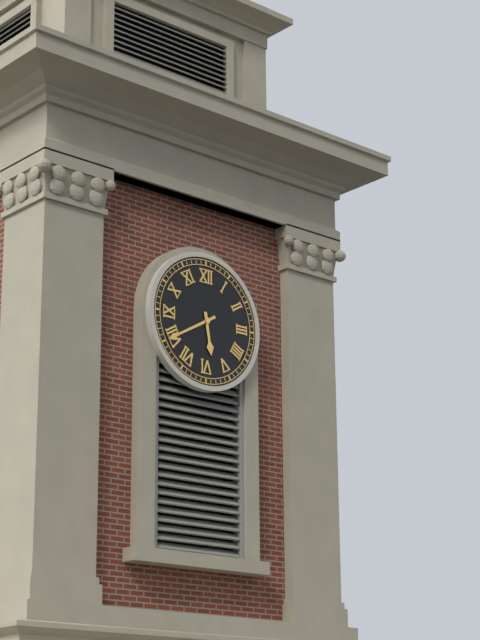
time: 5:40
